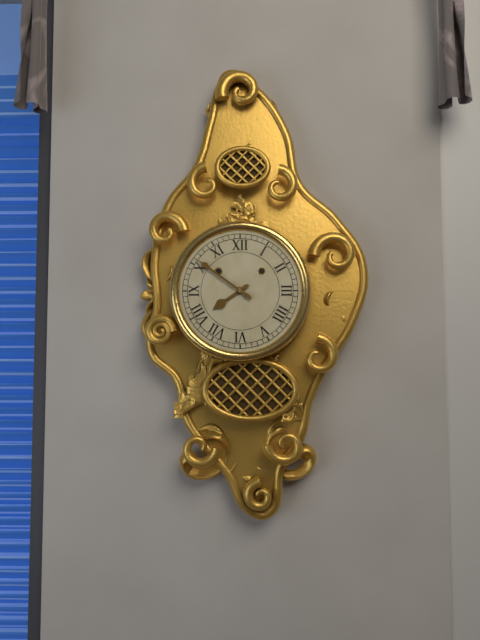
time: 7:51
